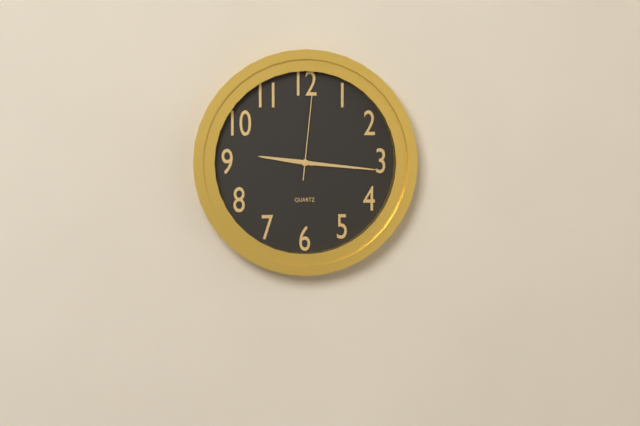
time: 9:16:01
